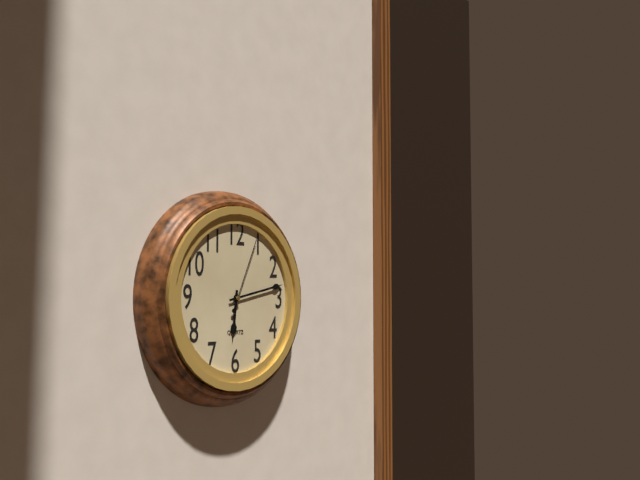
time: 6:13:04
